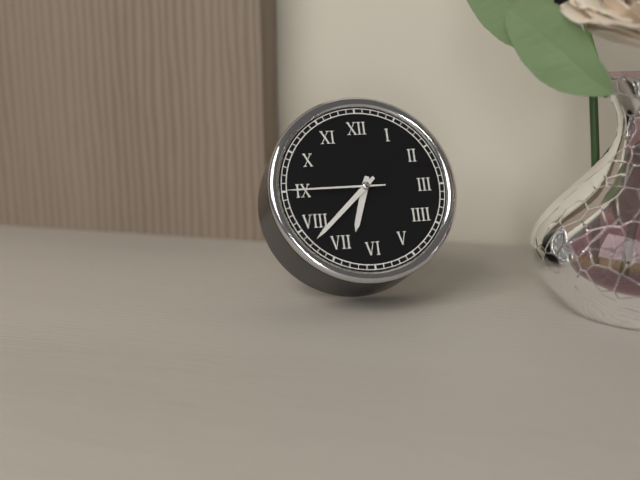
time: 6:38:45
